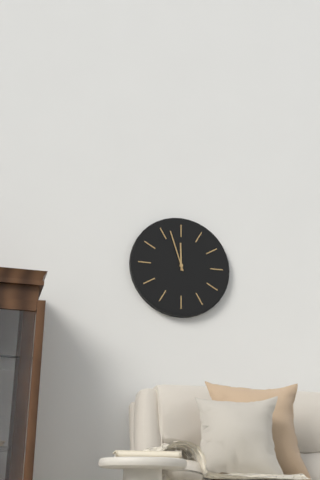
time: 11:57
